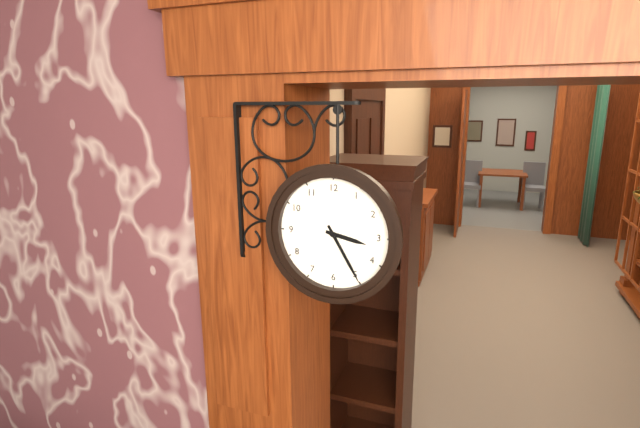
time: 3:25
